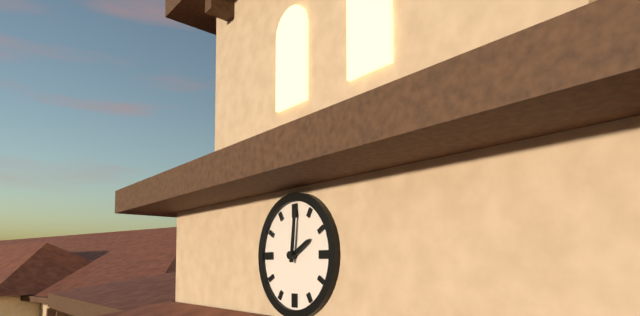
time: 2:01
